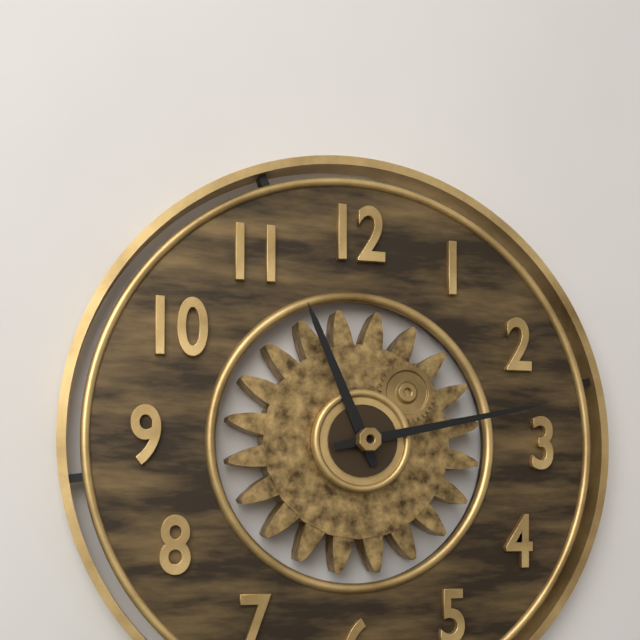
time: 11:13
